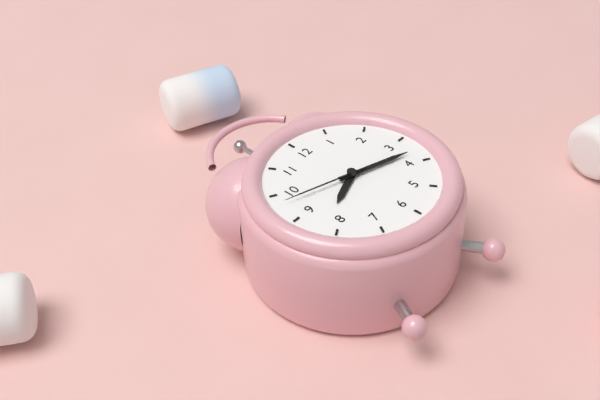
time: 8:18:48
